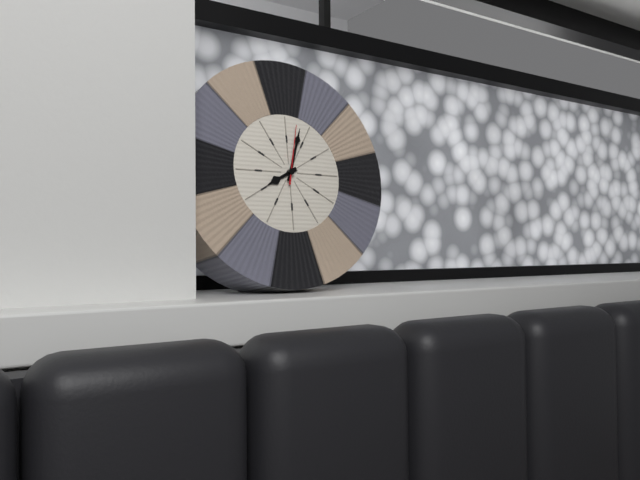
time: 8:03:02
